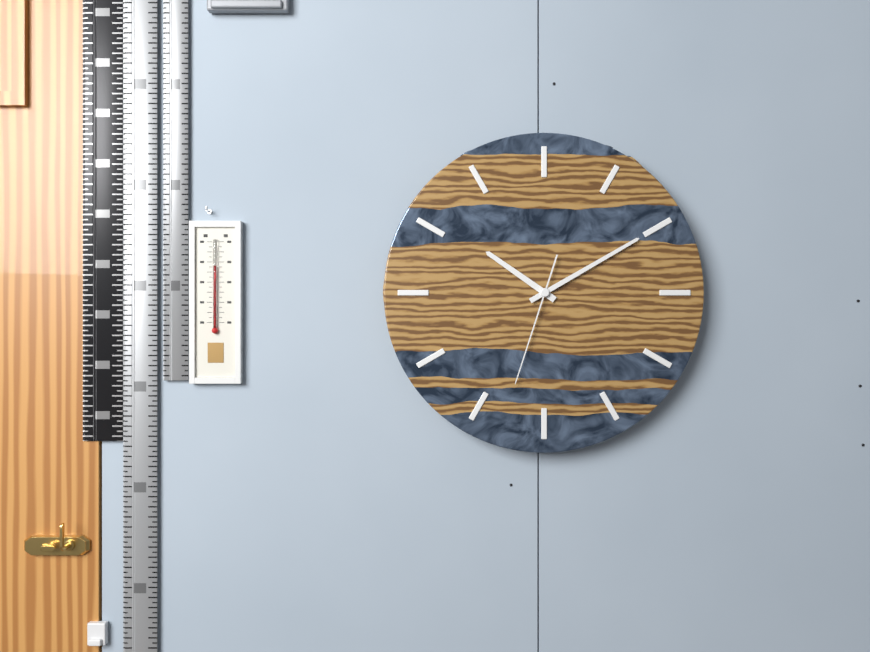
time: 10:10:33
